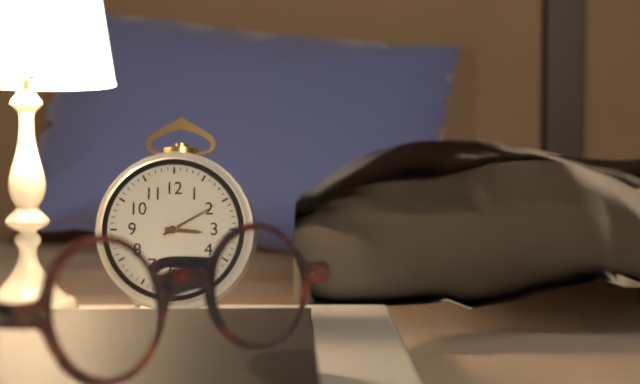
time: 3:10
